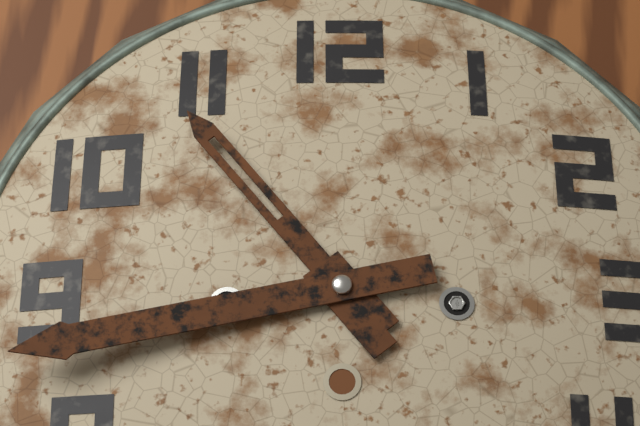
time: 10:43
